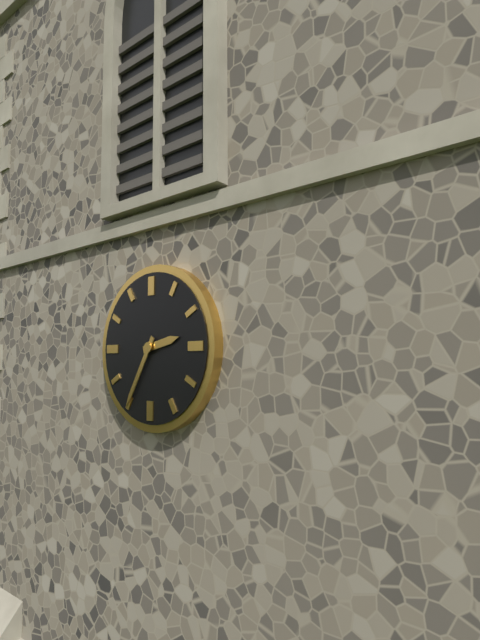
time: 2:35
